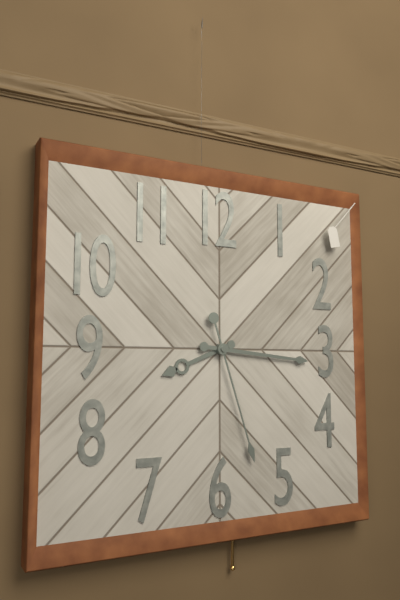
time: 8:16:27
